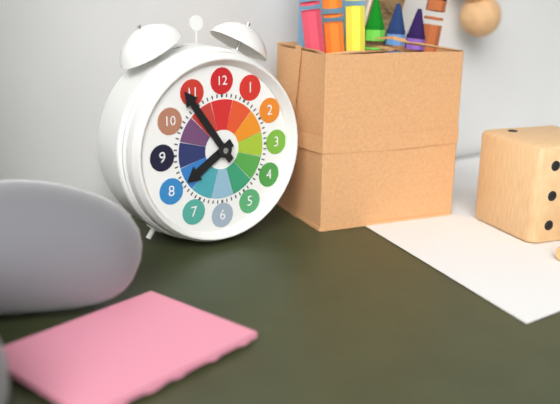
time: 7:54
